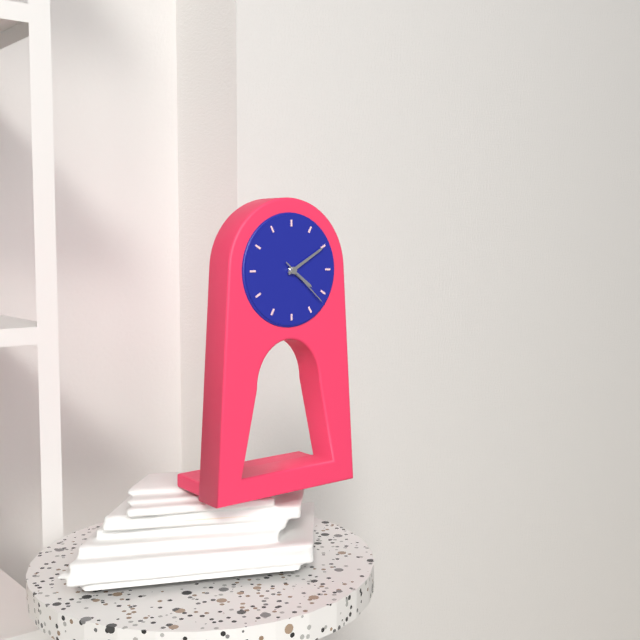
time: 4:10:22
